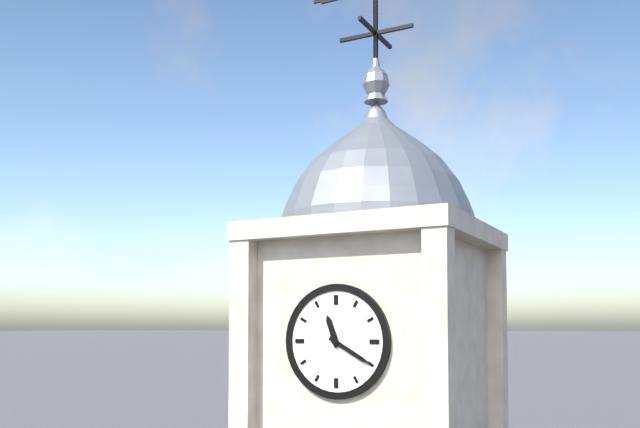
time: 11:20
